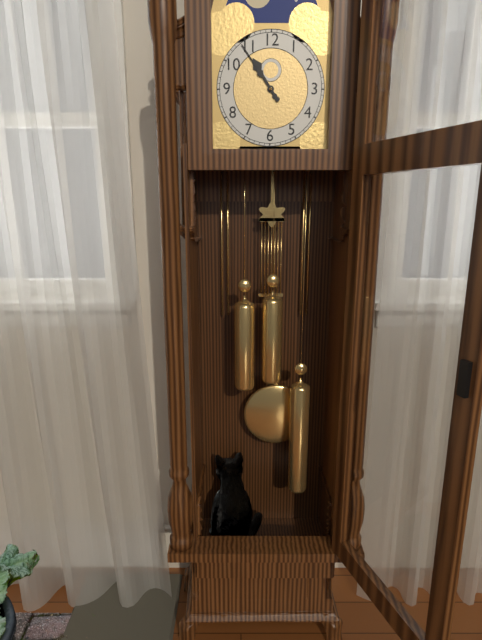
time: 10:54
